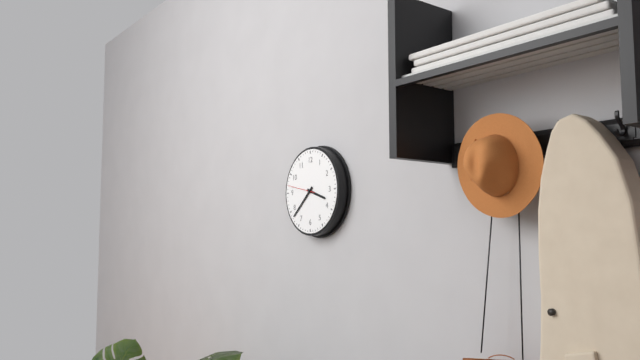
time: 3:38
